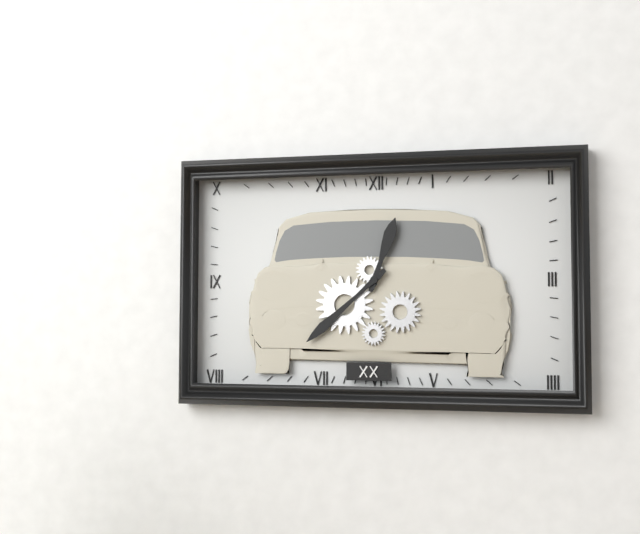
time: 12:38
